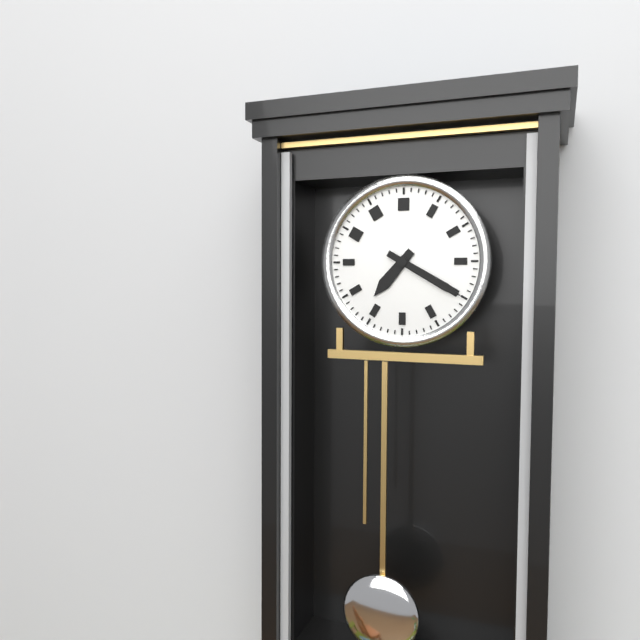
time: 7:20
